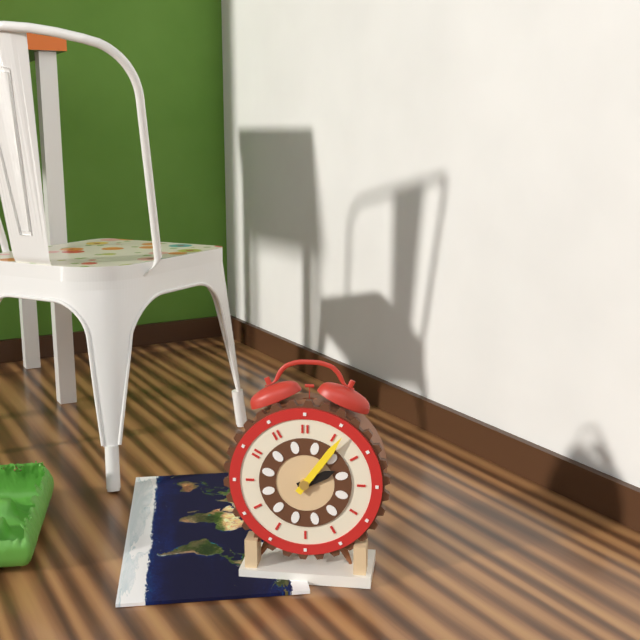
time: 2:06
